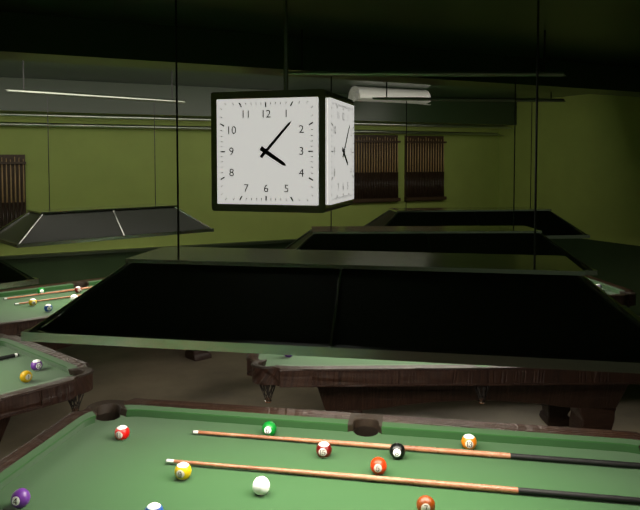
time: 4:07
